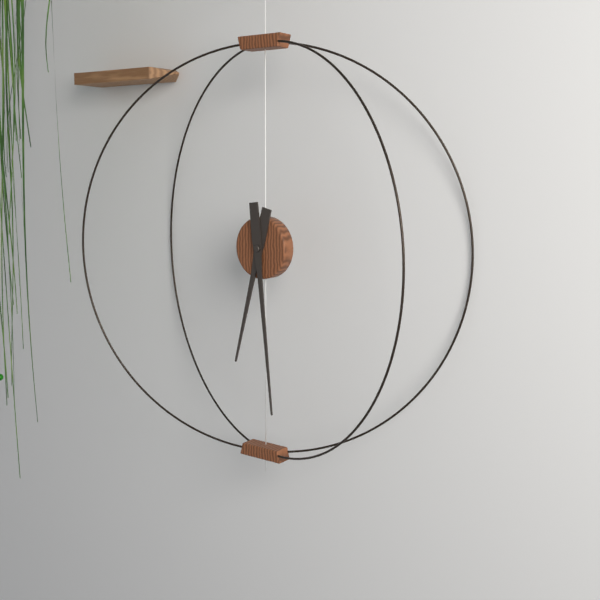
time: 6:29
